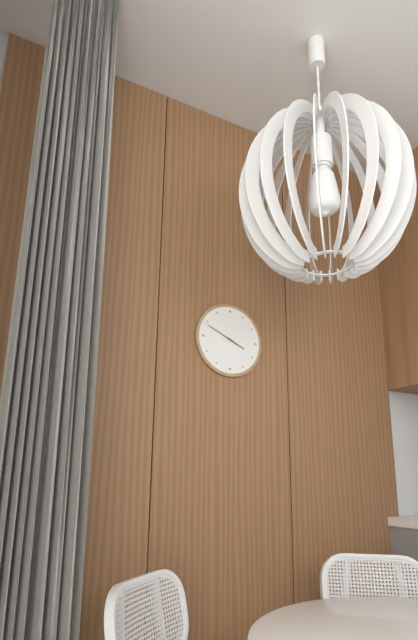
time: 3:49
